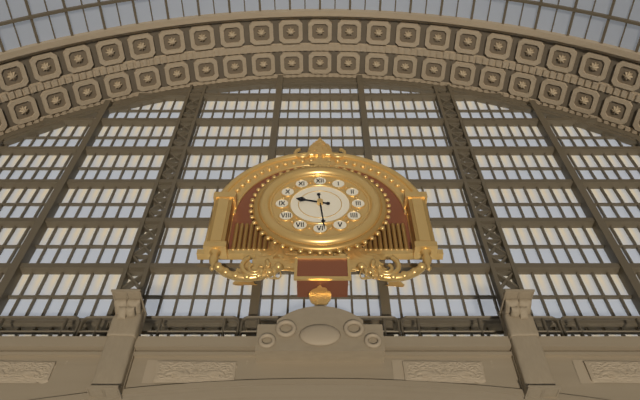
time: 9:29
